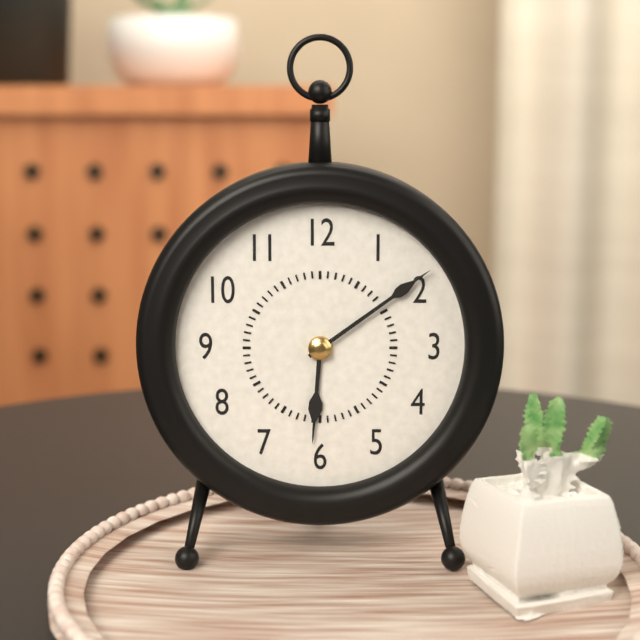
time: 6:09
